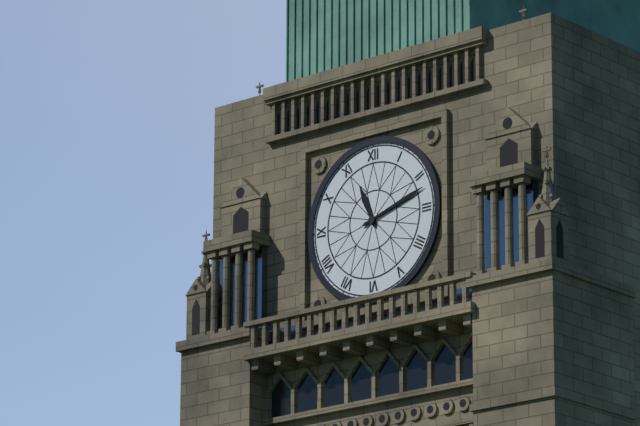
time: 11:12
